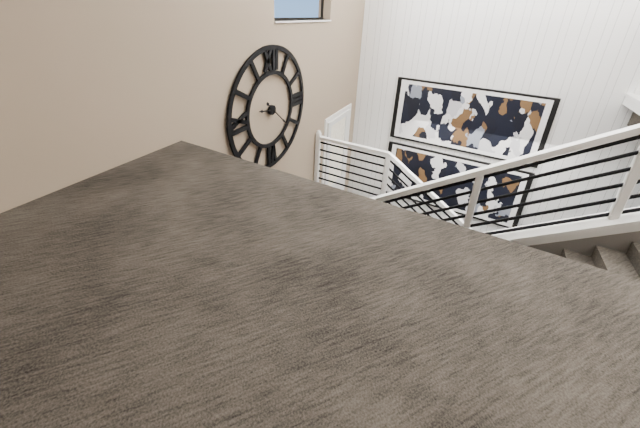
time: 9:22
